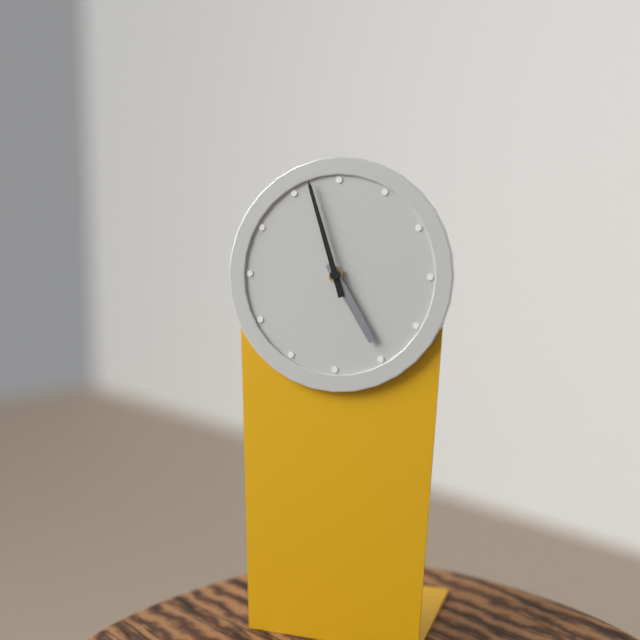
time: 4:57
